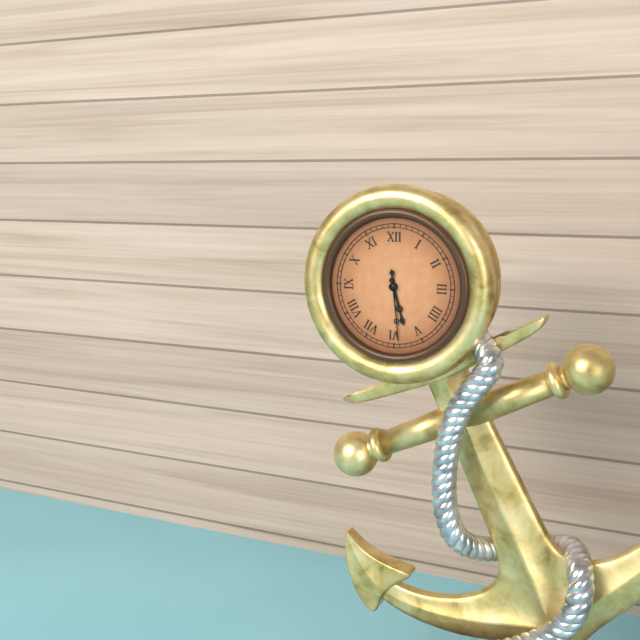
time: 5:29
